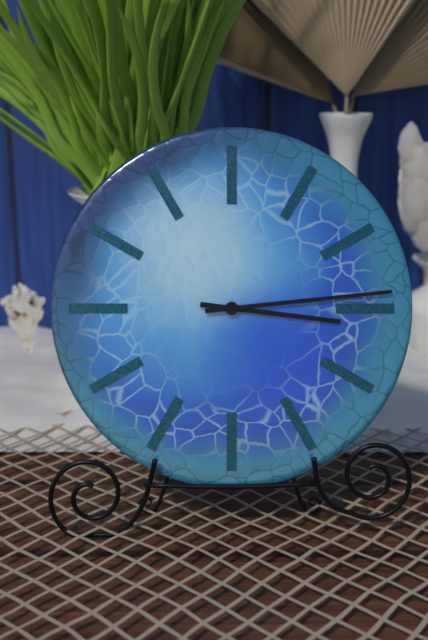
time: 3:14
